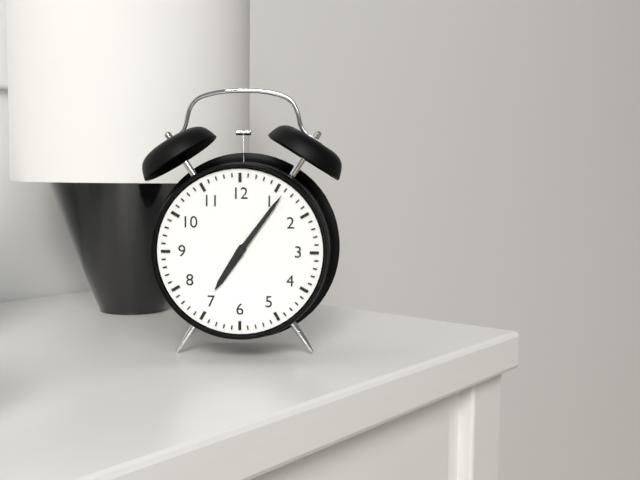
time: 7:06
